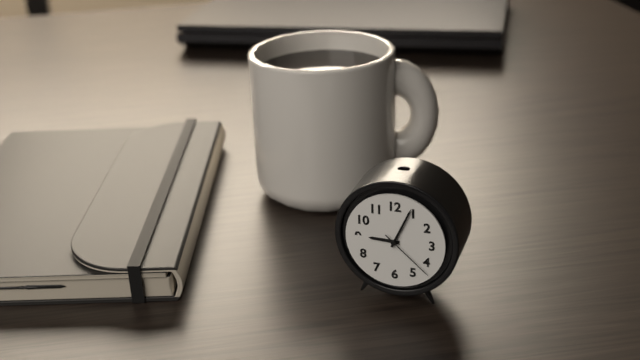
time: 9:04:22
